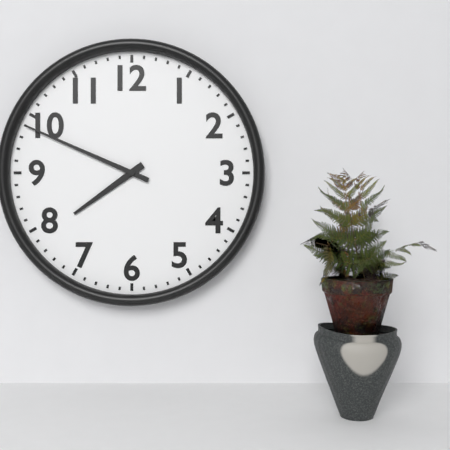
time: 7:49
